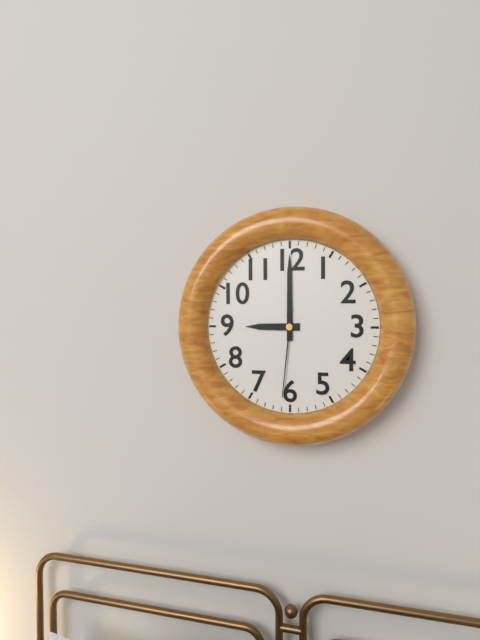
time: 9:00:31
